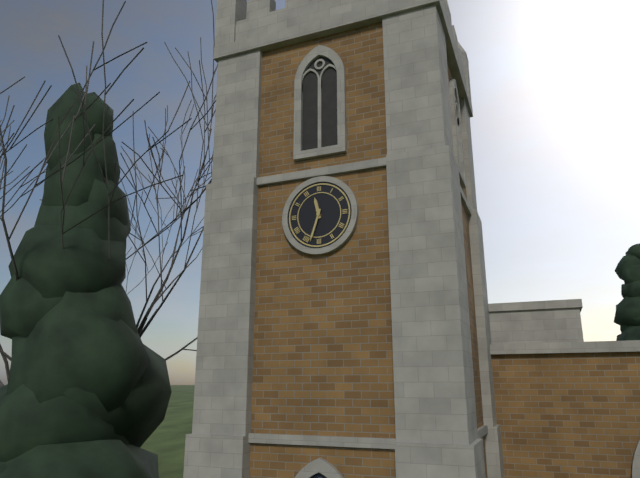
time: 11:33
